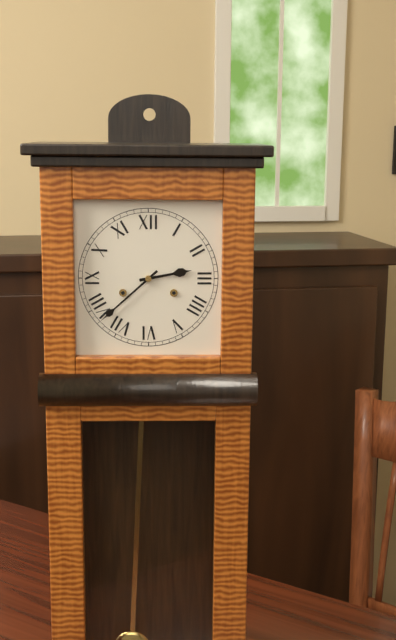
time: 2:38
